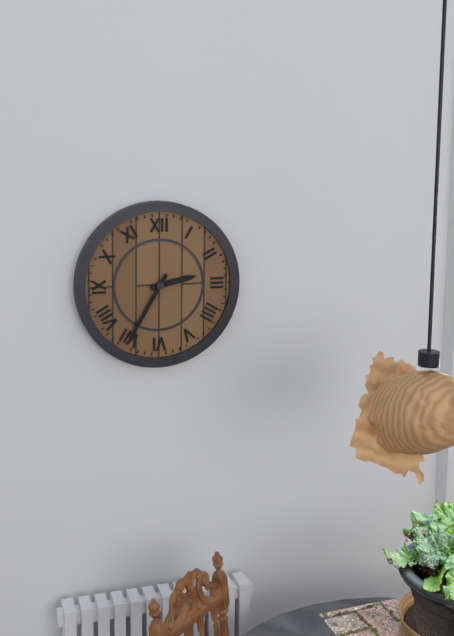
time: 2:35
